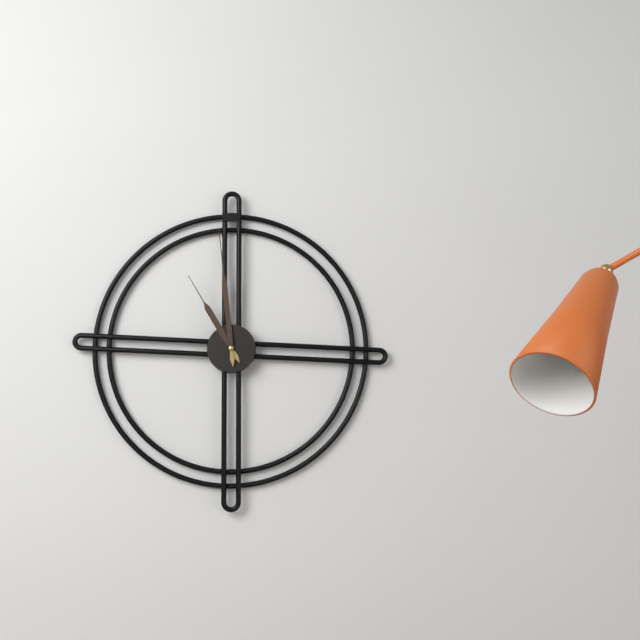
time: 10:59
